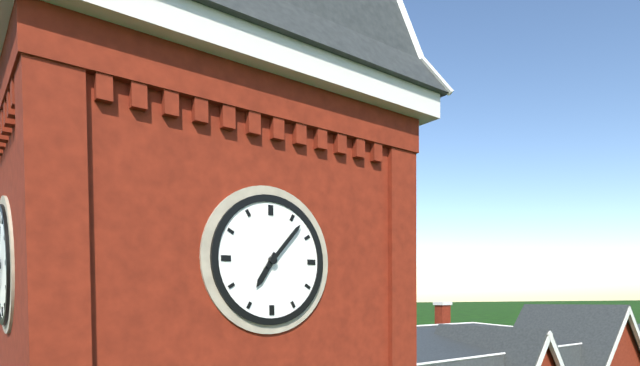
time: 7:07
